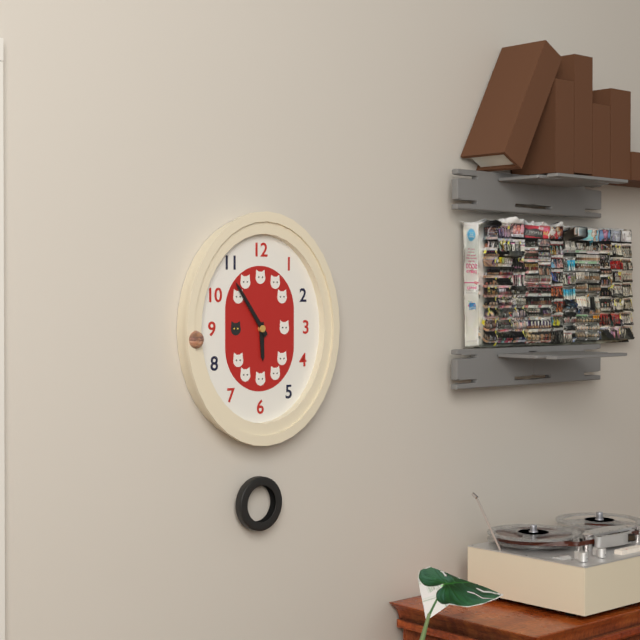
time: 5:54
